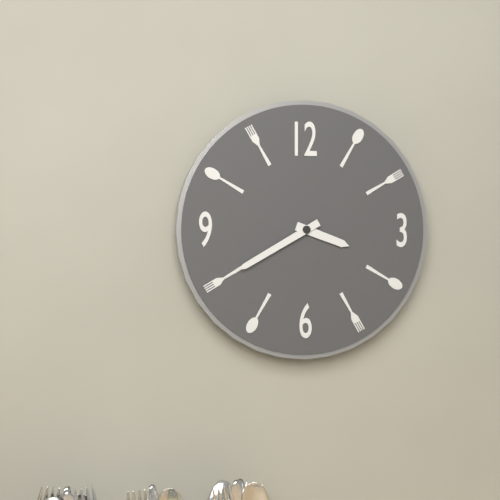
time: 3:40
